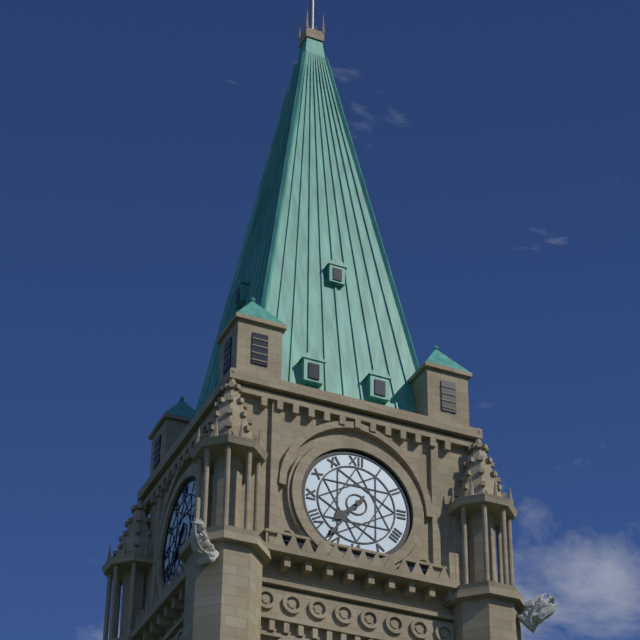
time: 7:36
